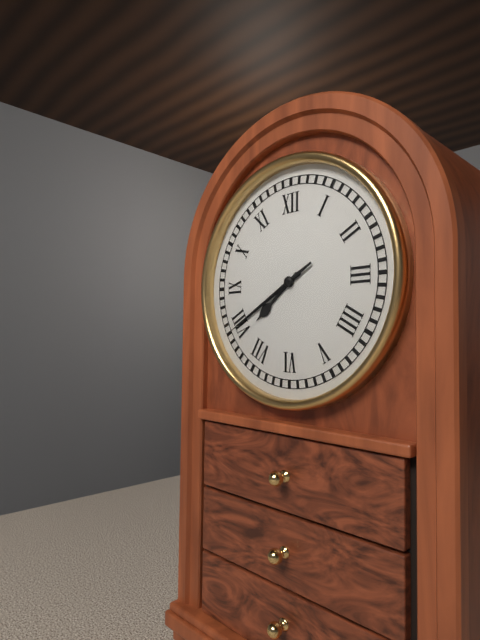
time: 7:40:40
